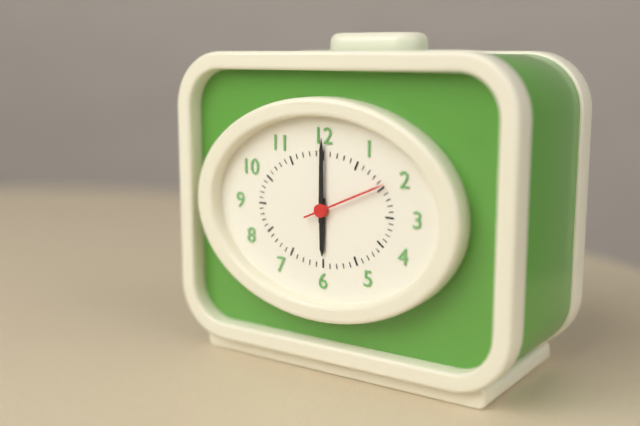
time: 6:00:11
